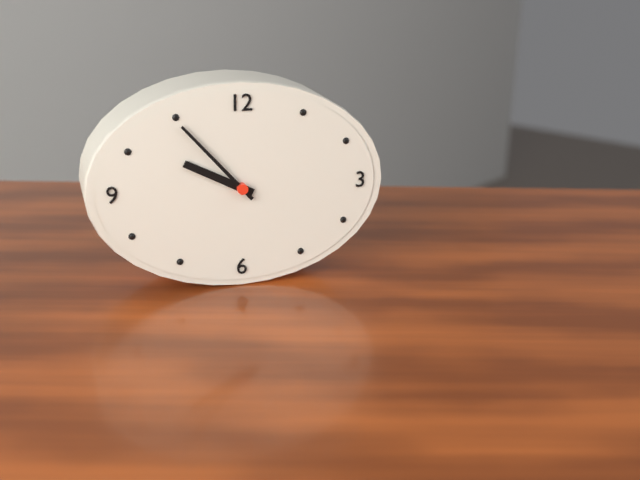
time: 9:53
